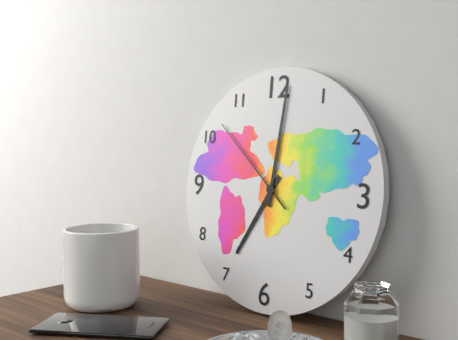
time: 7:01:52
